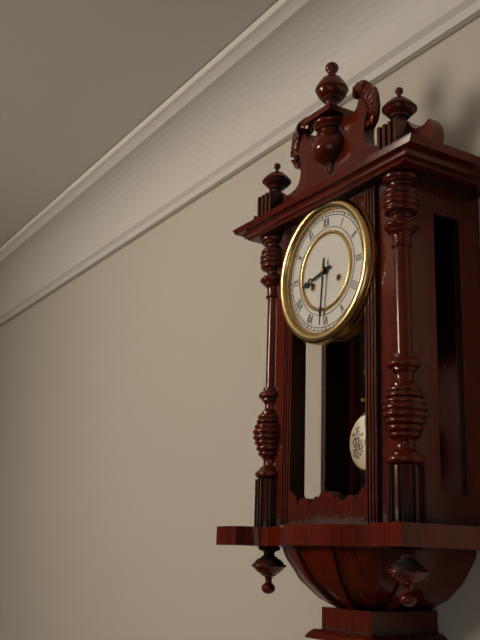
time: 8:31
